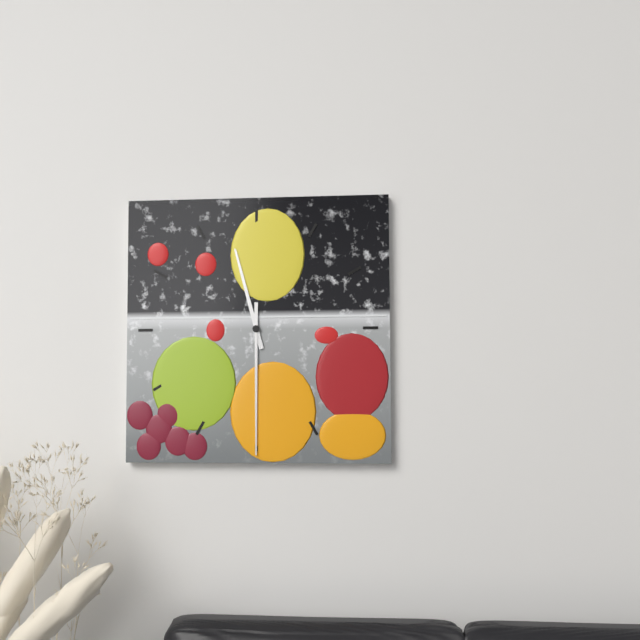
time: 11:30
